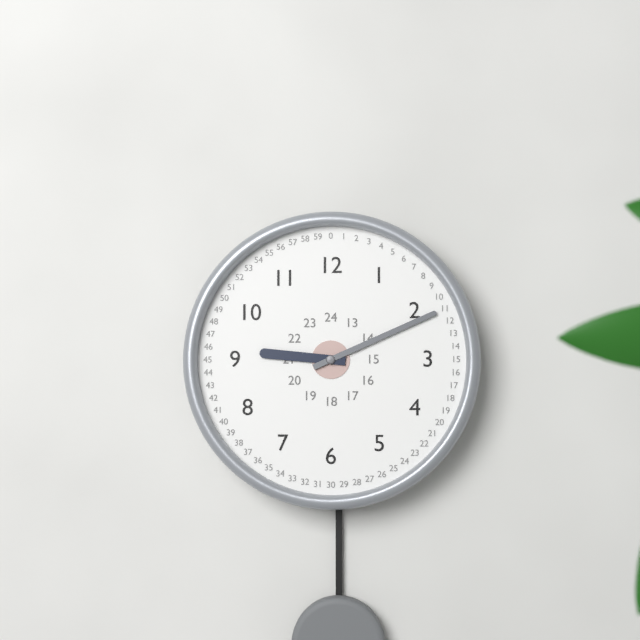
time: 9:11
